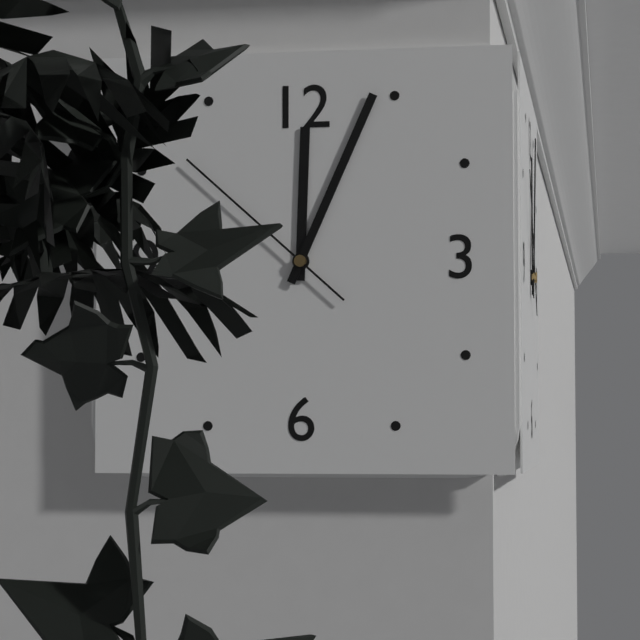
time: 12:04:52
